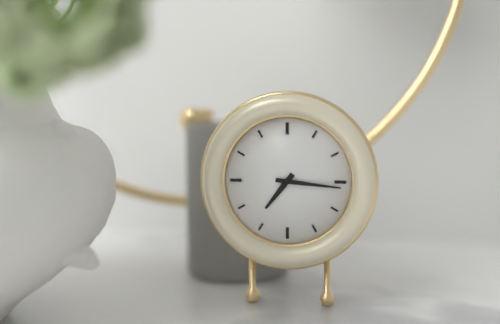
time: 7:16
